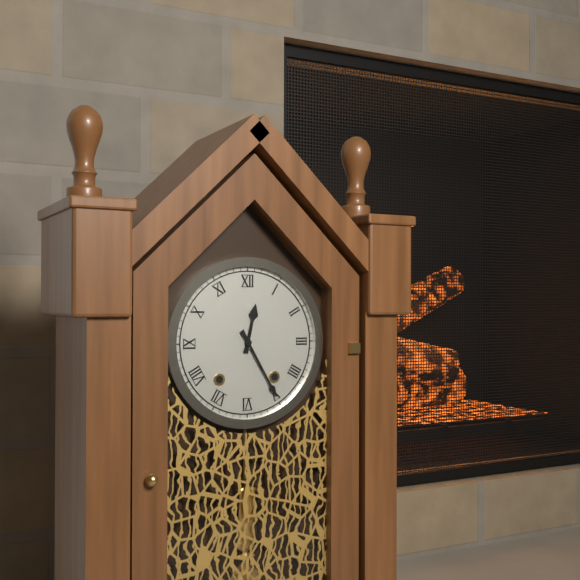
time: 12:25
